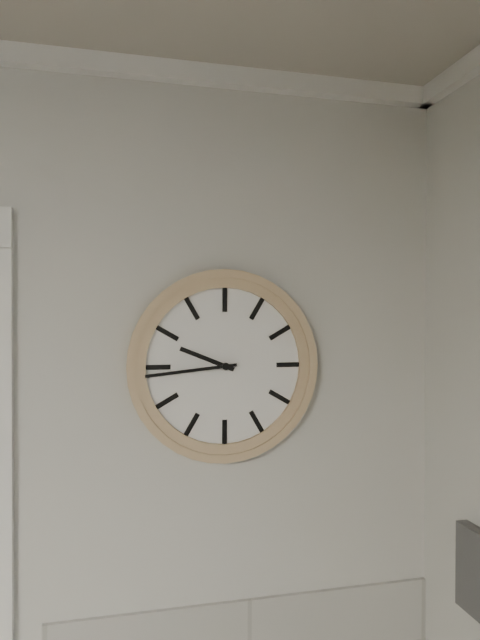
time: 9:44
